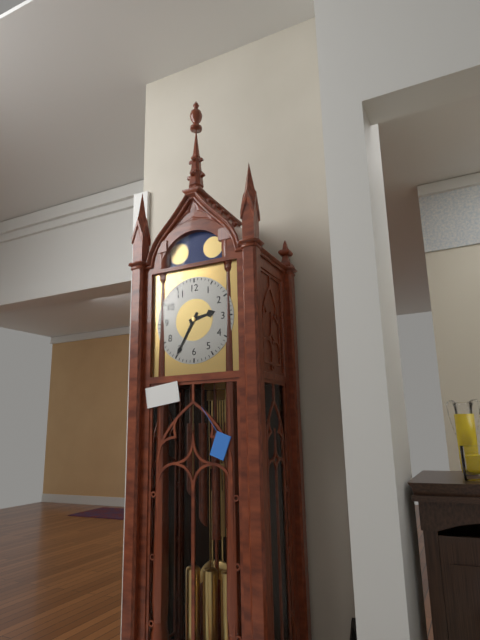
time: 2:35
